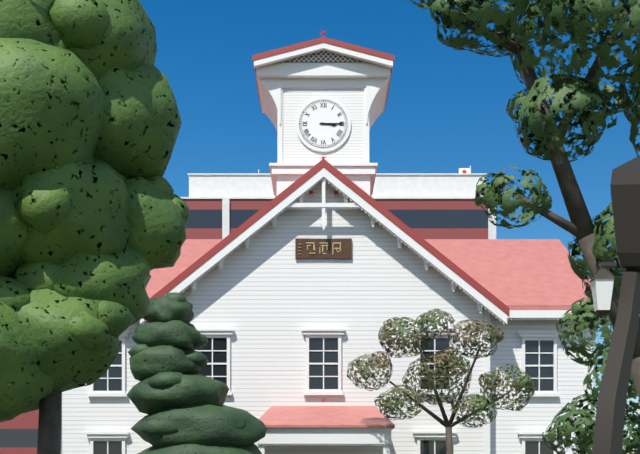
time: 3:15
